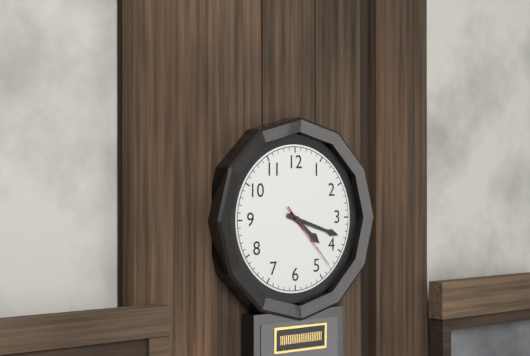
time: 4:18:23
